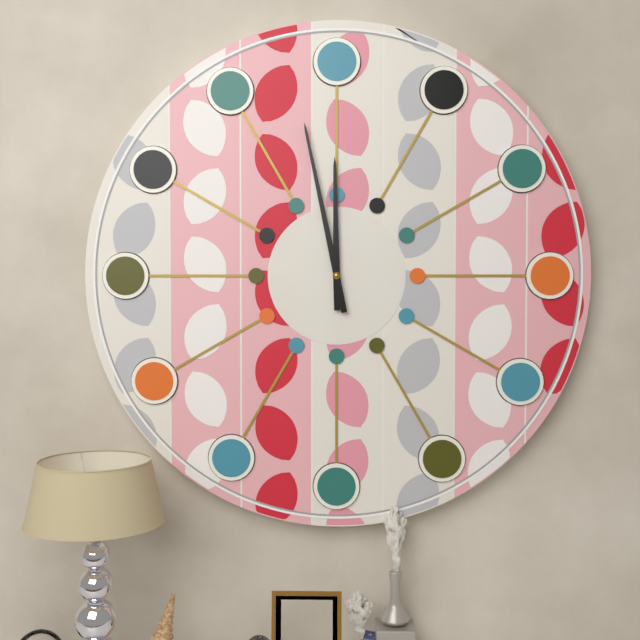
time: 11:58
